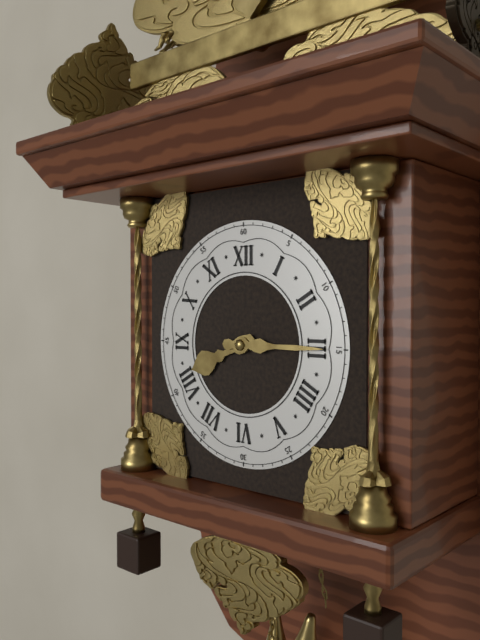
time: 8:15
